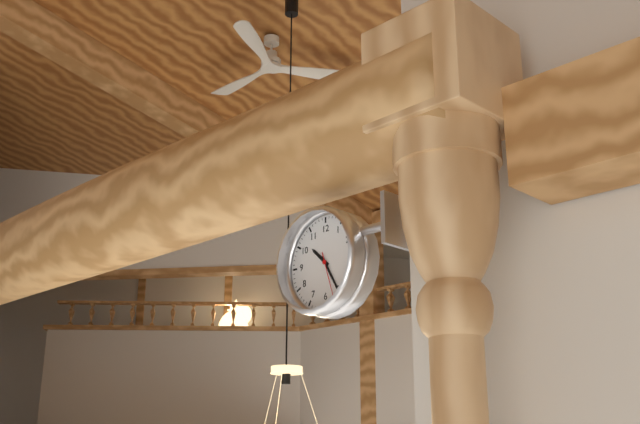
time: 10:25:27
